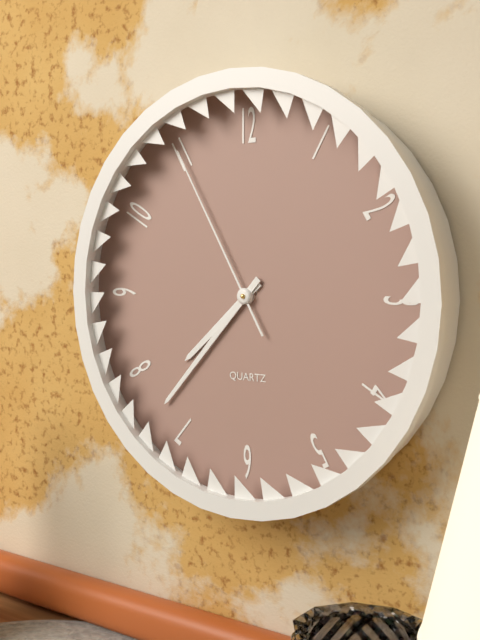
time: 7:37:55
